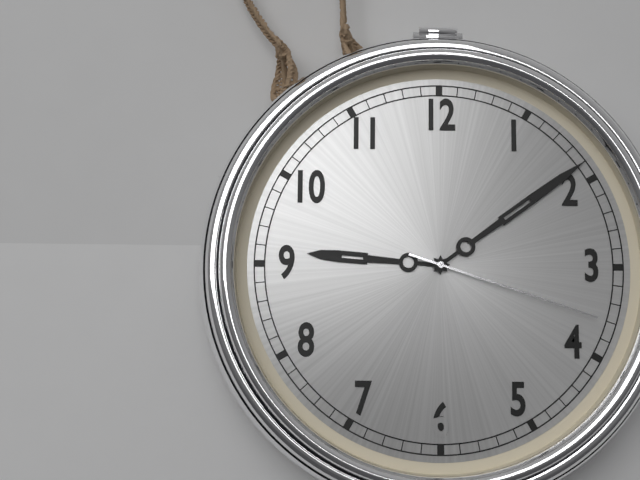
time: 9:09:18
